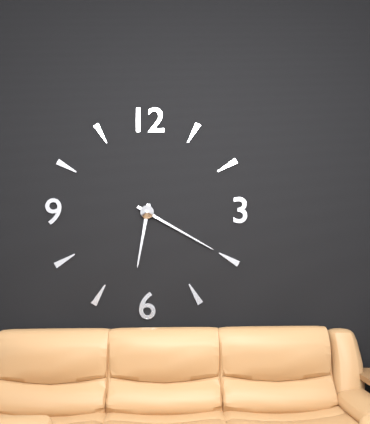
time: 6:20
